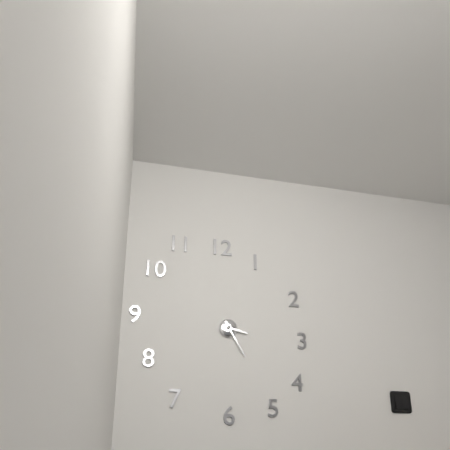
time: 3:25
